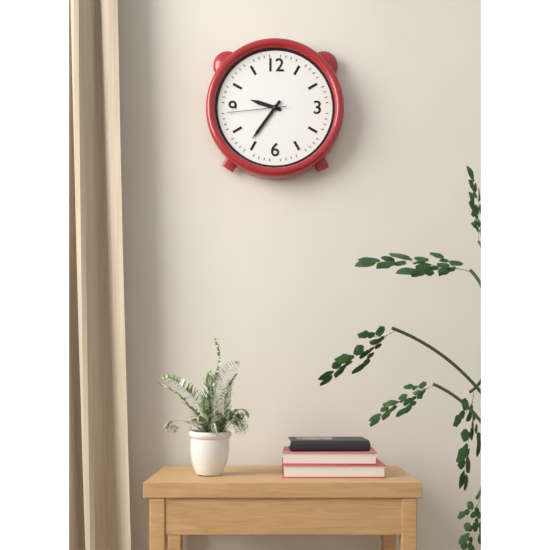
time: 9:36:44
